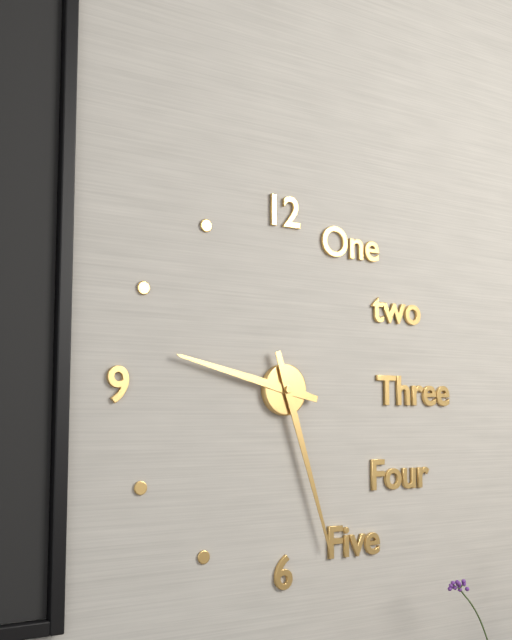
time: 9:27
